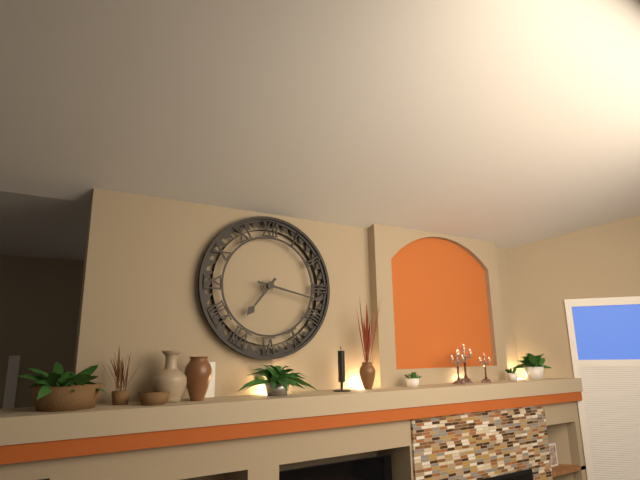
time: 7:17
